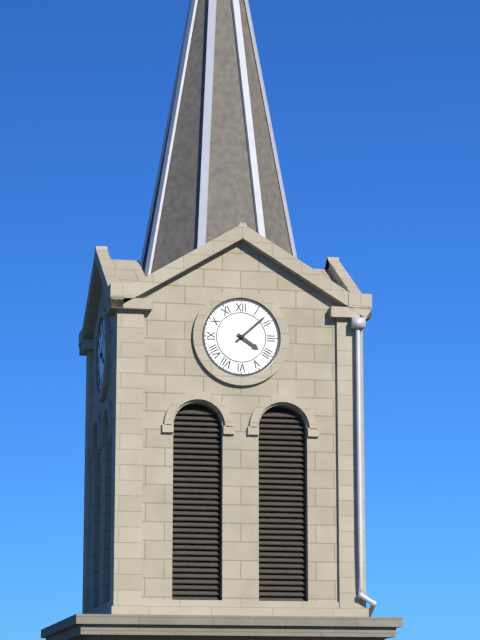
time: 4:08
